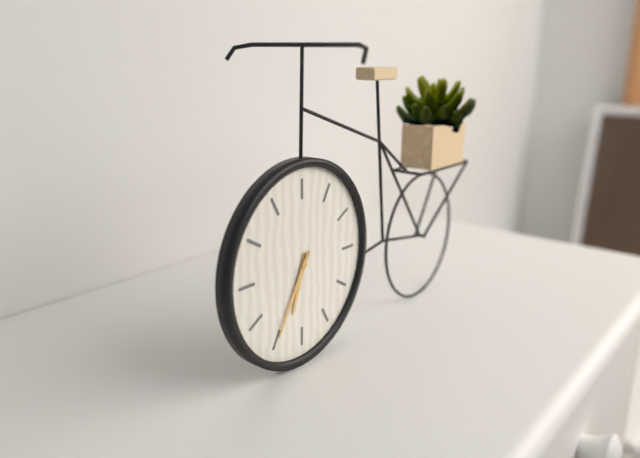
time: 6:35
